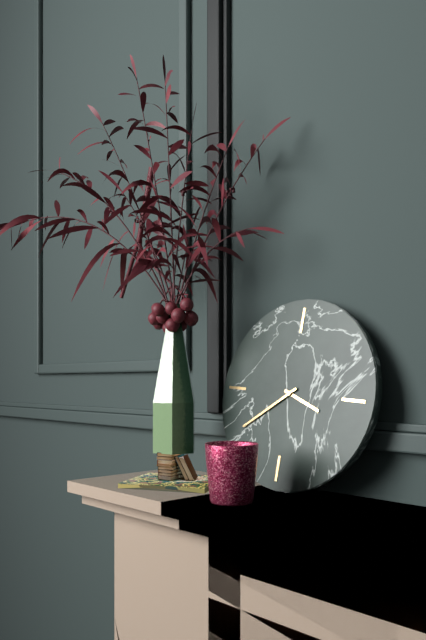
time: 3:39
